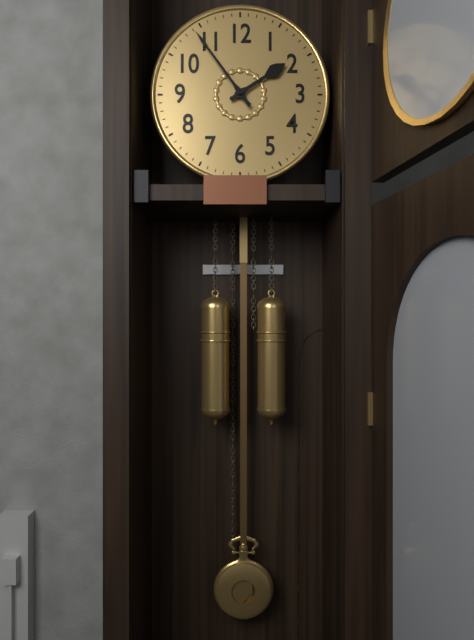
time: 1:54
